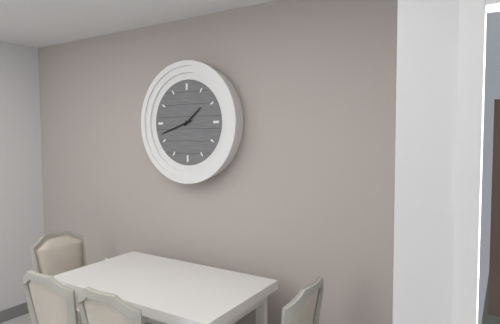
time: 1:42
